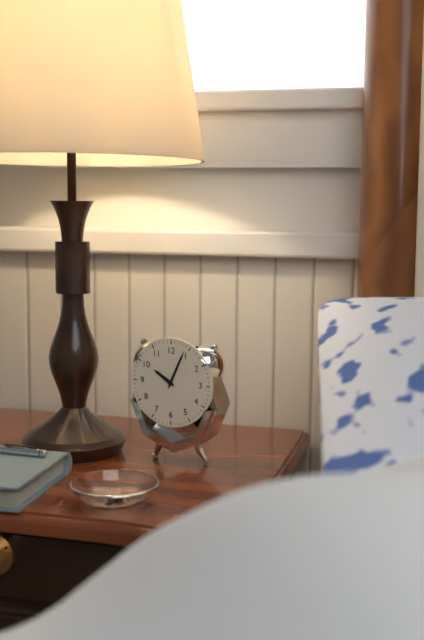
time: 10:04
